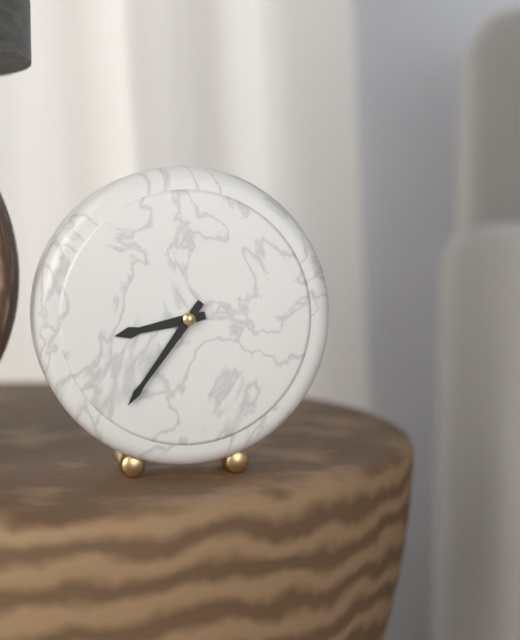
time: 8:36
